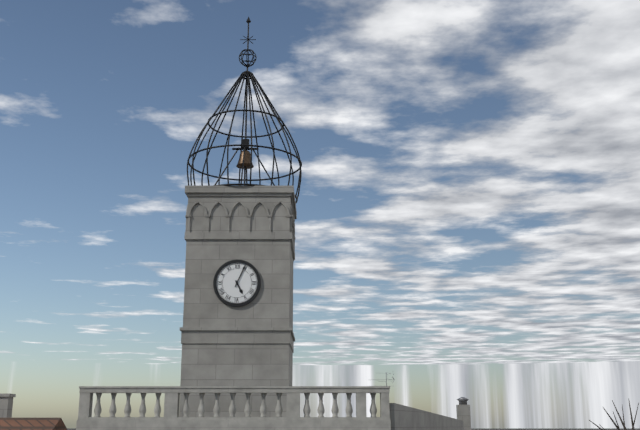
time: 5:04
